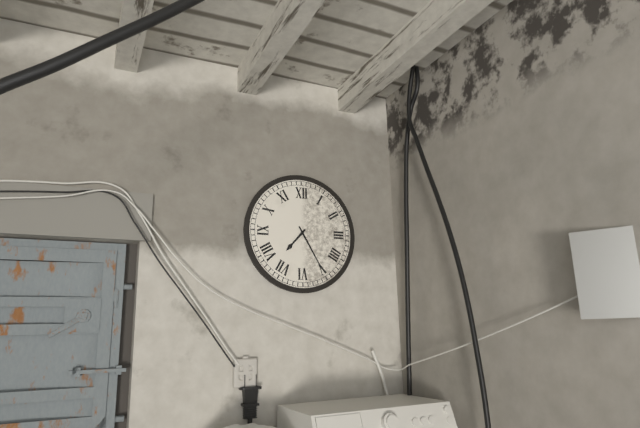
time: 7:25
